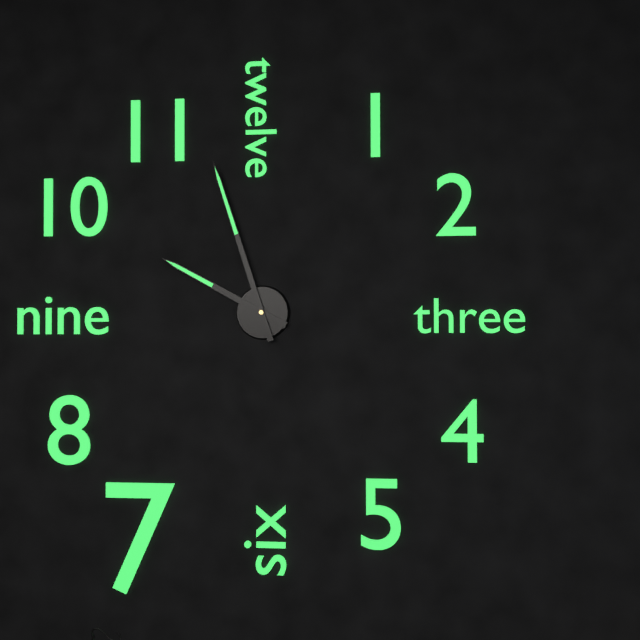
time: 9:57
